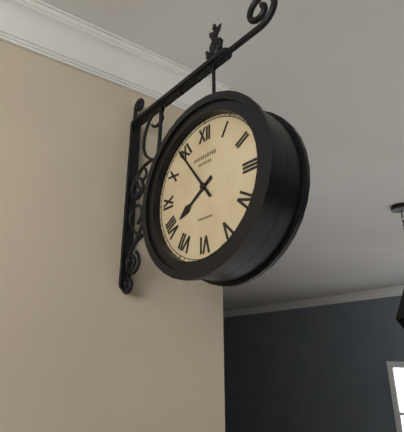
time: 7:54
